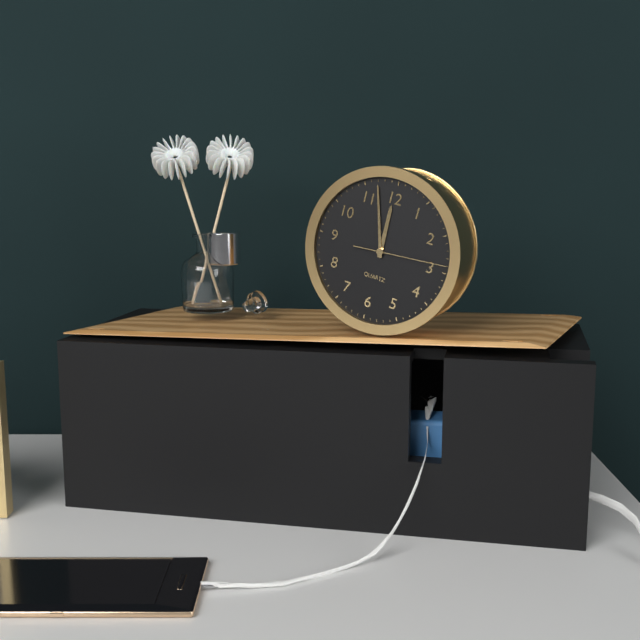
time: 11:57:14
